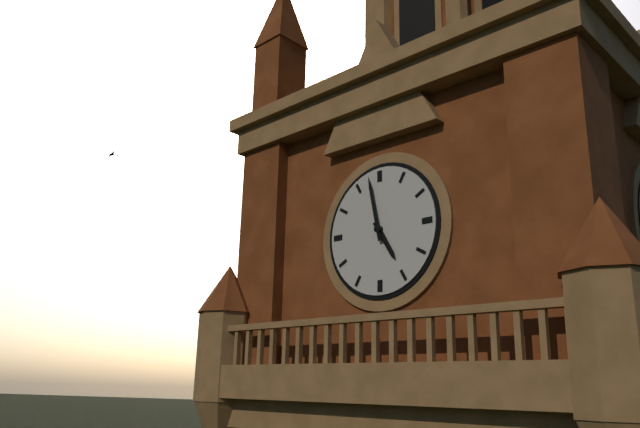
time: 4:58
